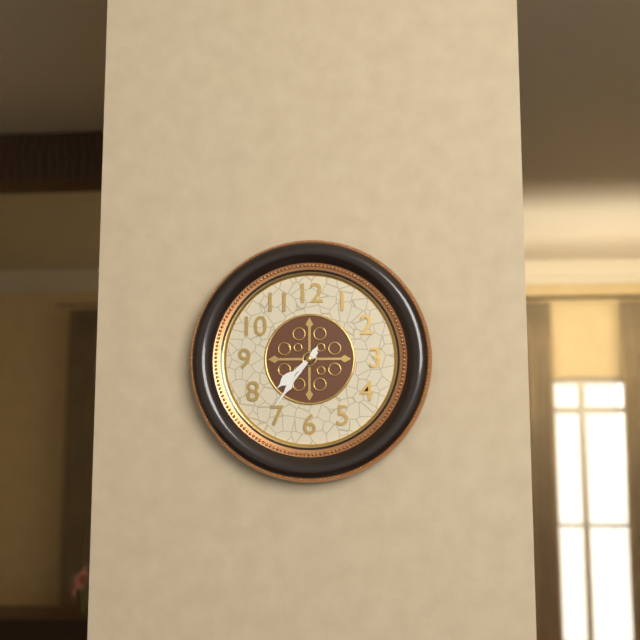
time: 7:36
